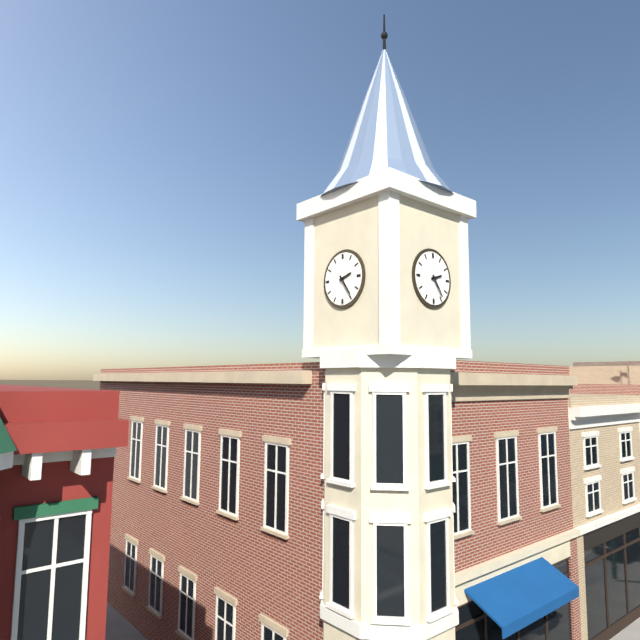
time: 2:24
